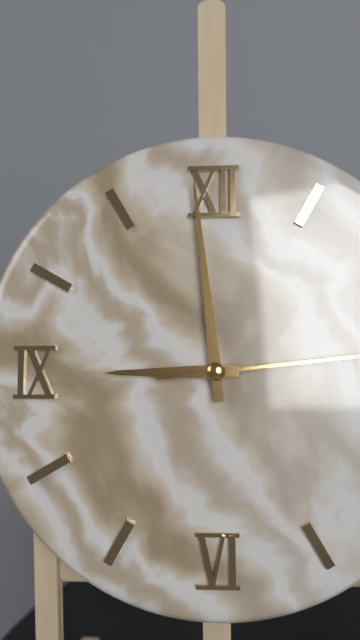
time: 8:59
